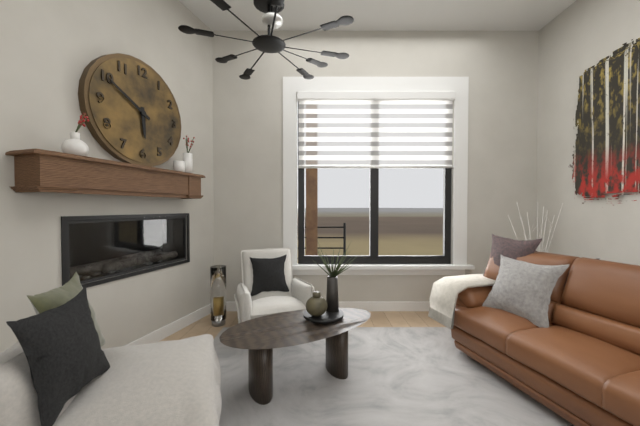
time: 5:50
